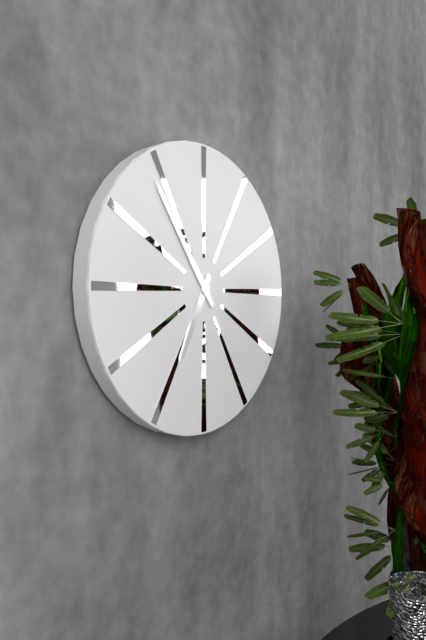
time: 6:54
